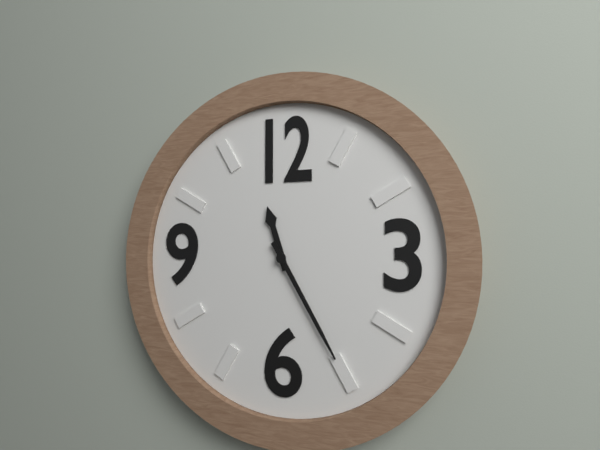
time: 11:25
